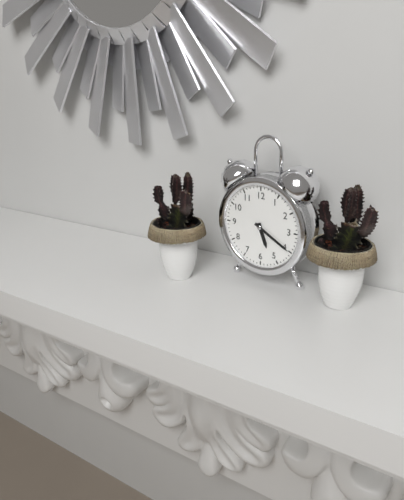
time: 5:20
